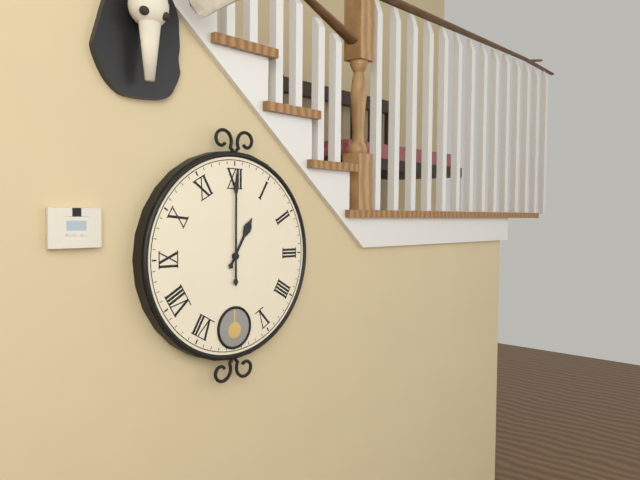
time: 1:00
